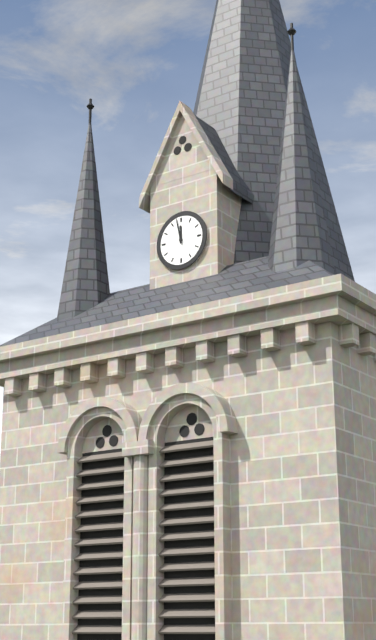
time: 11:58
